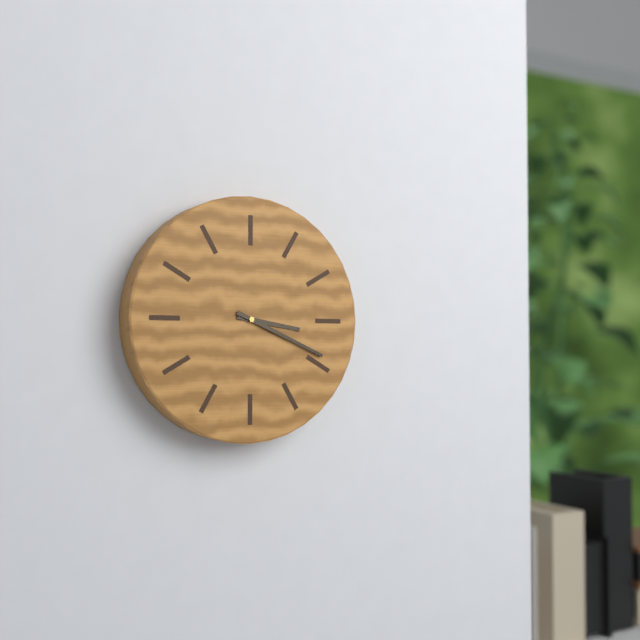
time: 3:19
